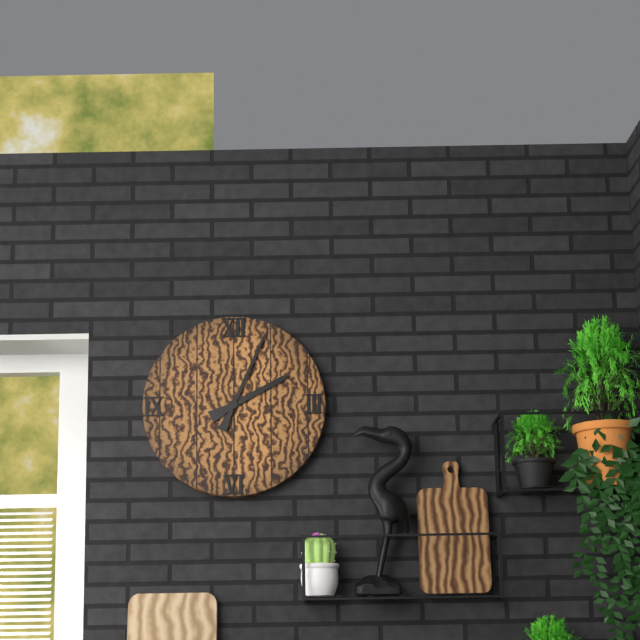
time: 2:04
